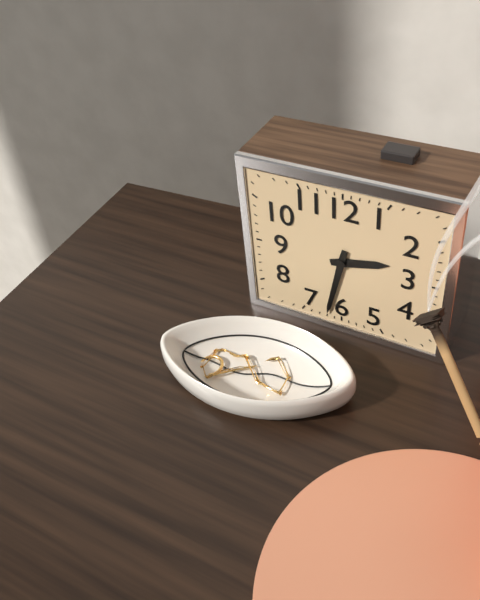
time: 2:32
